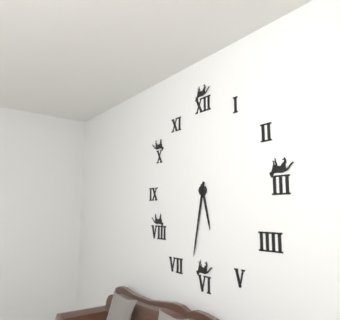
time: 5:32
